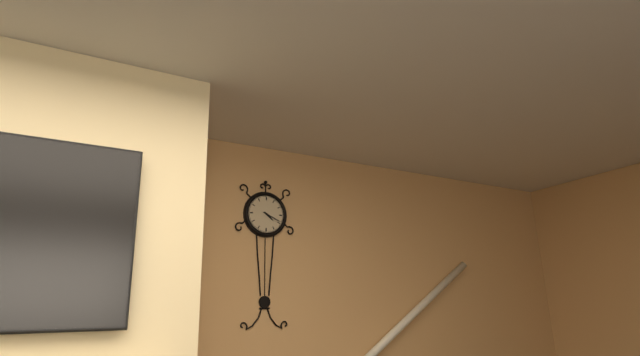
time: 4:19
